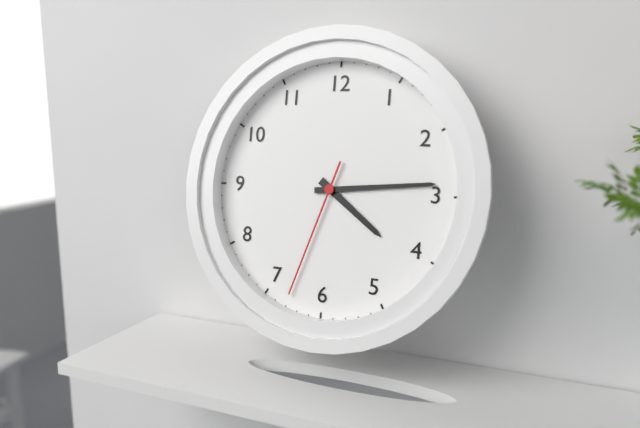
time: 4:14:33
